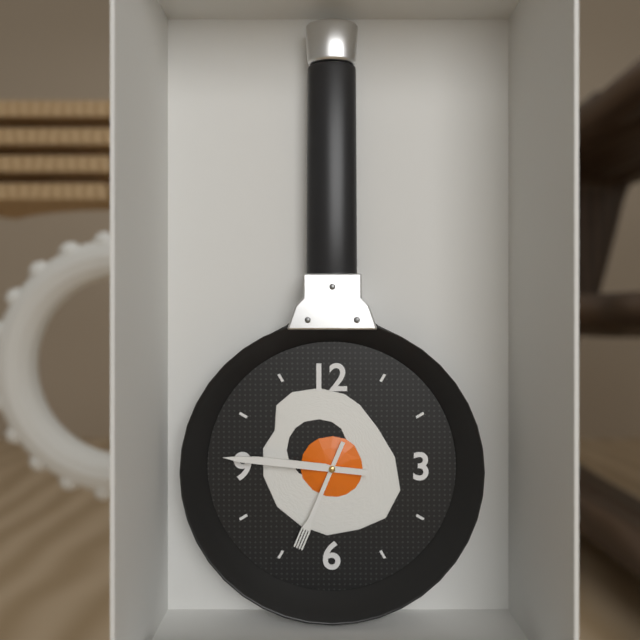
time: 6:46
